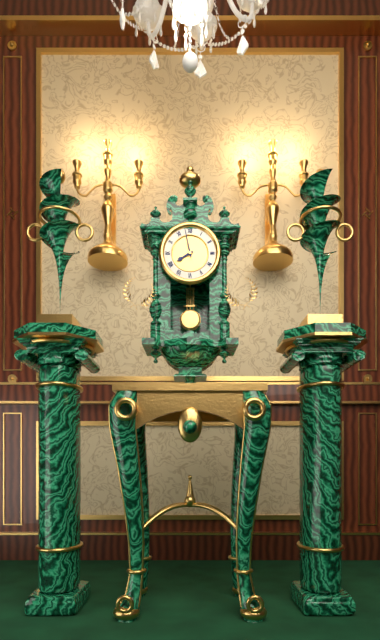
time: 7:58
